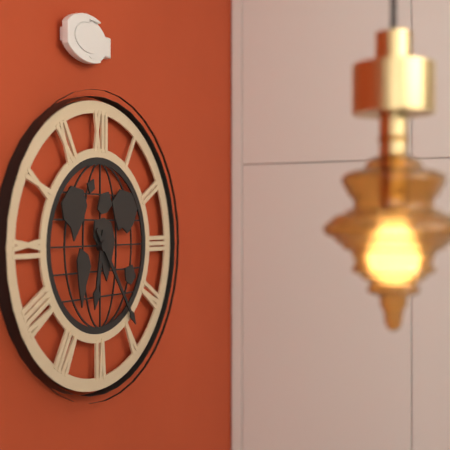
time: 6:24
